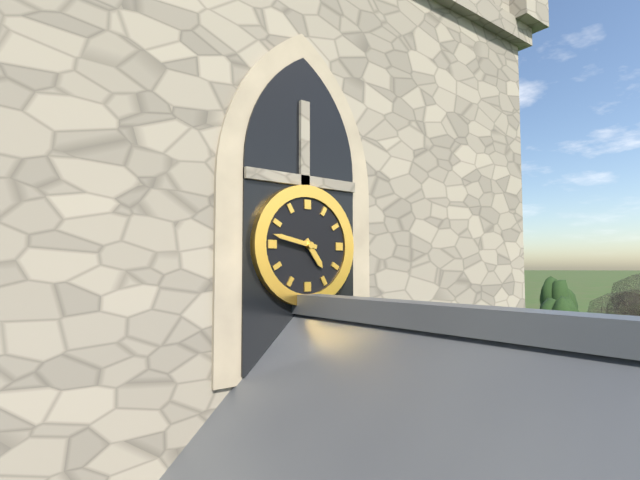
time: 4:47
